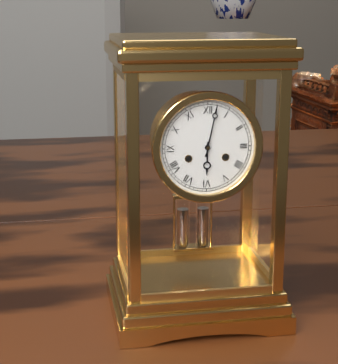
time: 6:02
